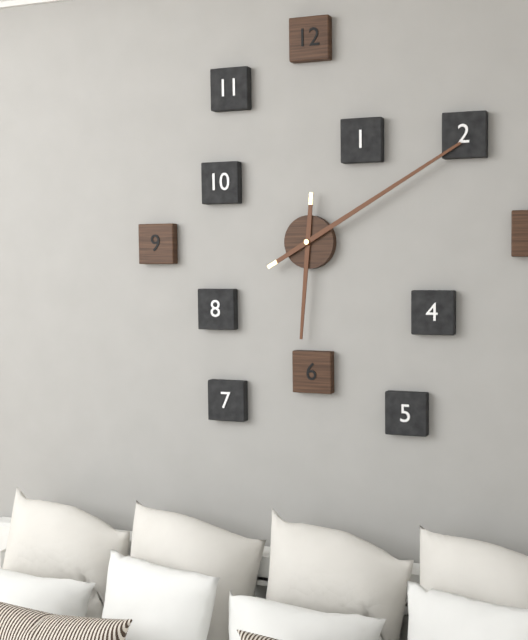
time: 6:10
